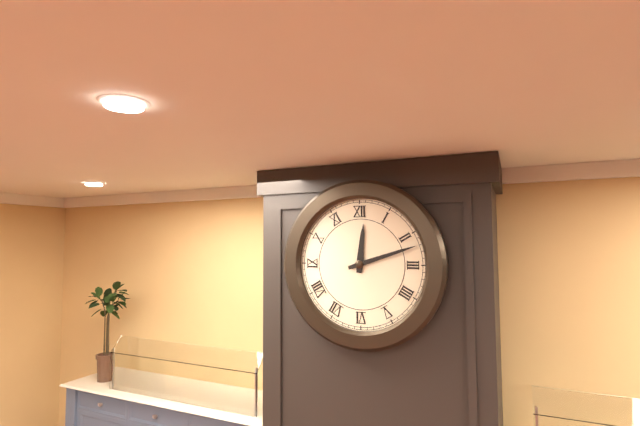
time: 12:12
